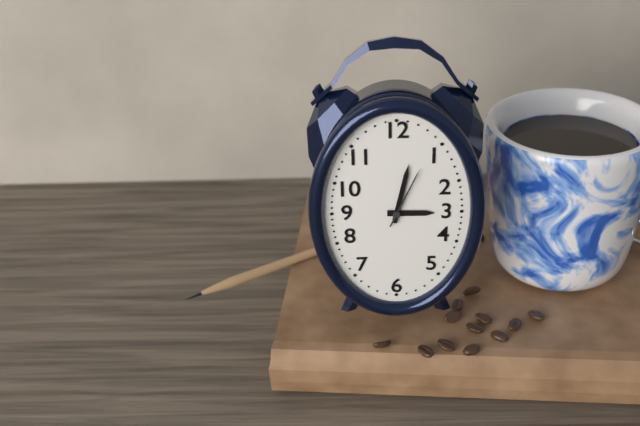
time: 3:02:04
